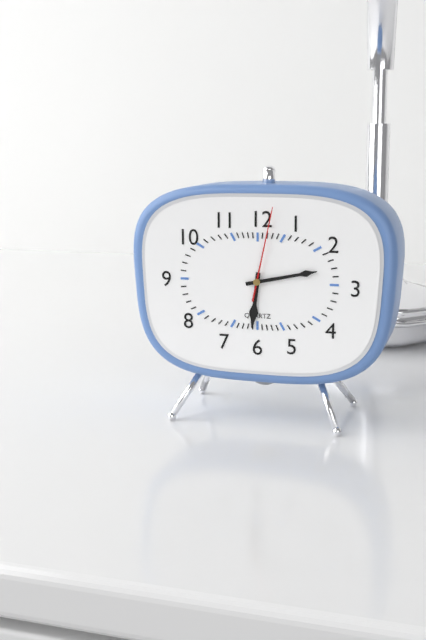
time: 6:13:02
